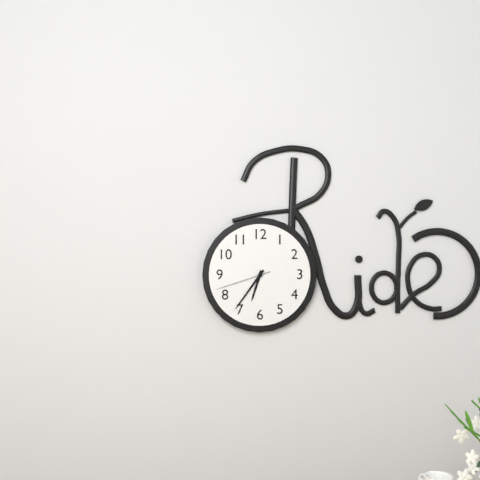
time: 6:36:42
